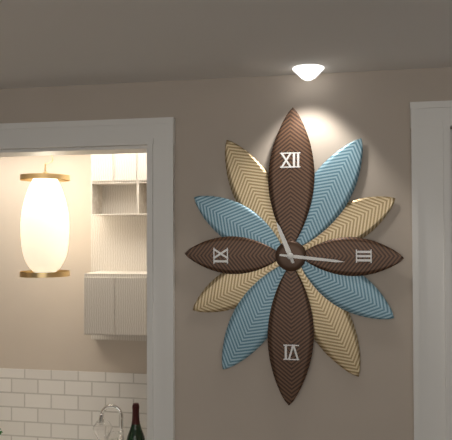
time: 11:16
